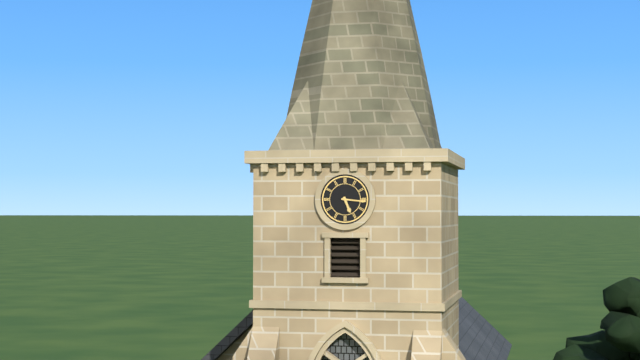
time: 5:16
